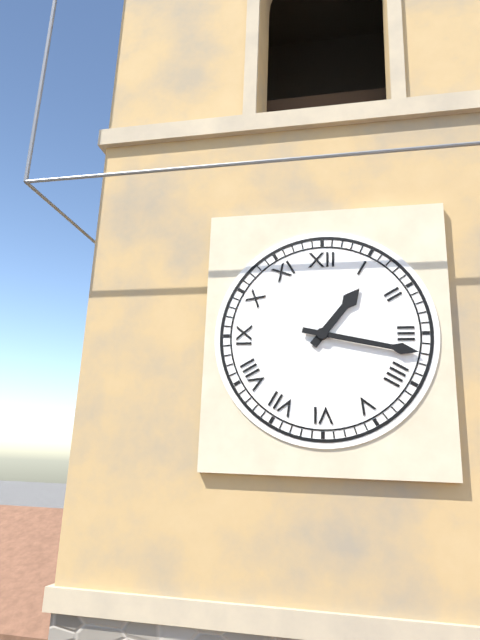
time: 1:17
